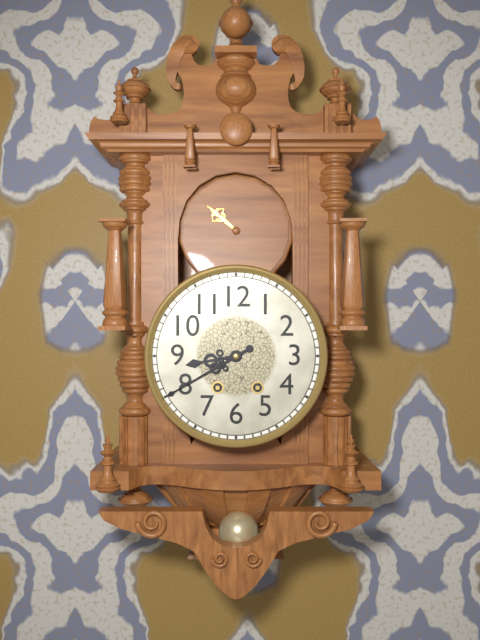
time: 8:40
